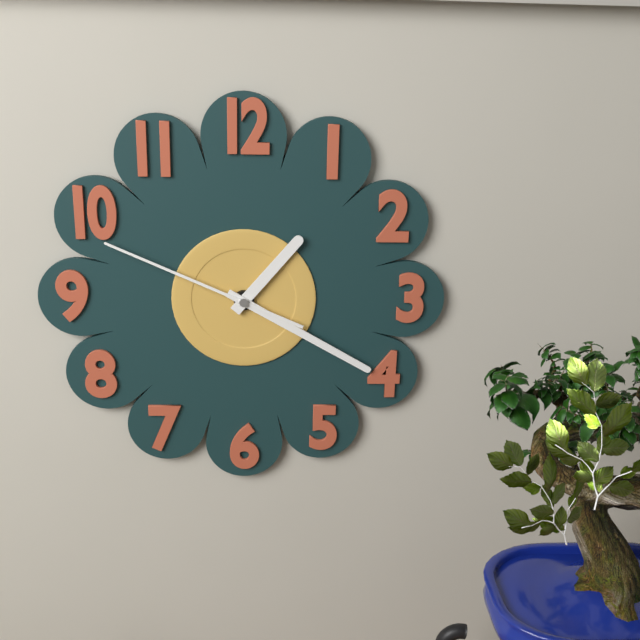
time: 1:20:49
